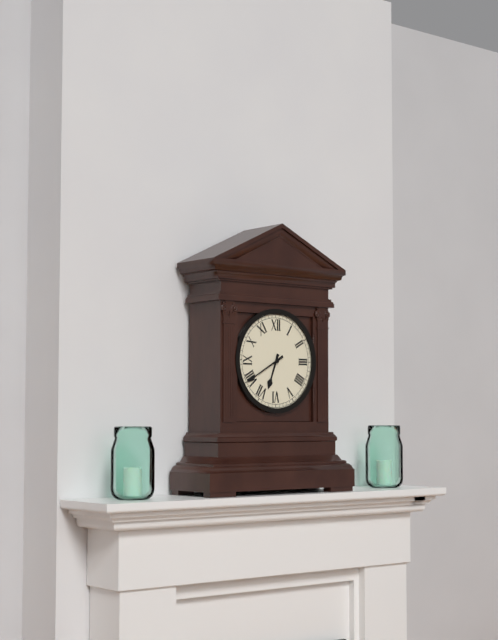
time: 6:40
